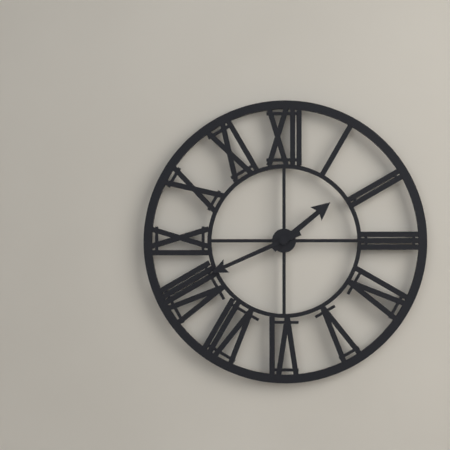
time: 1:41
